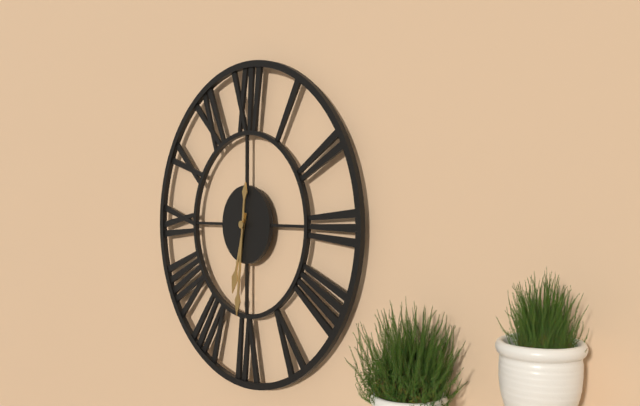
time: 6:31
